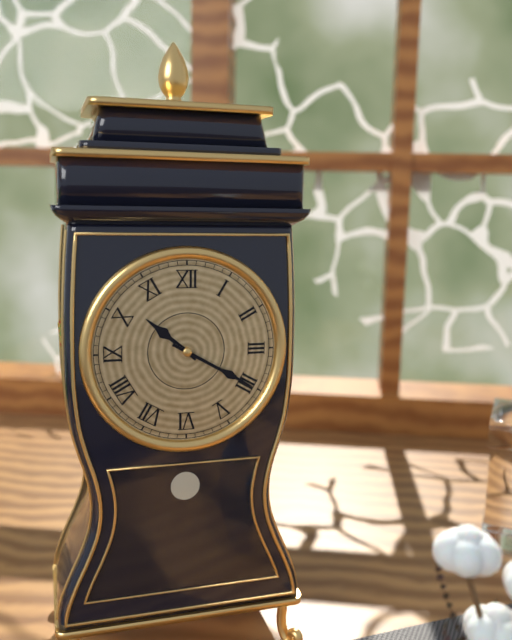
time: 10:20
